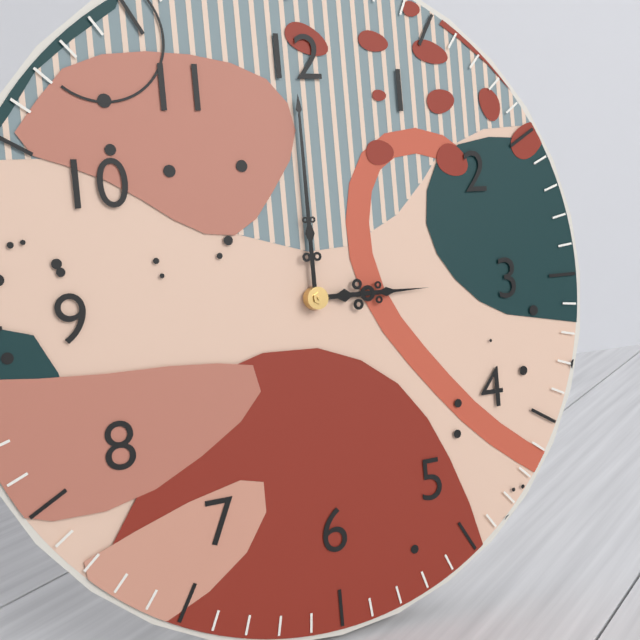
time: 3:00
